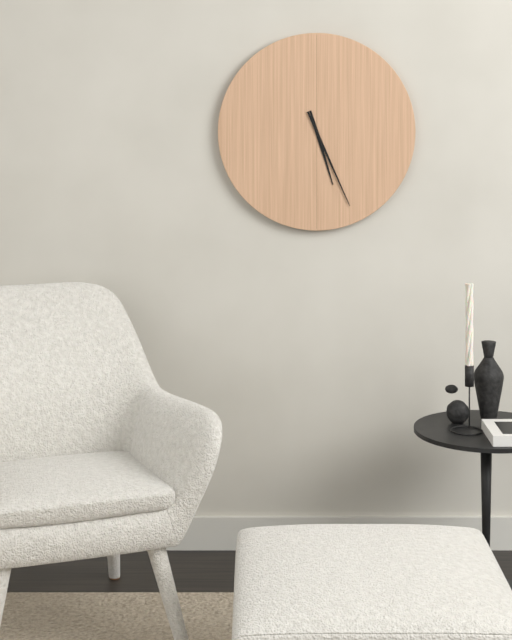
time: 5:26
